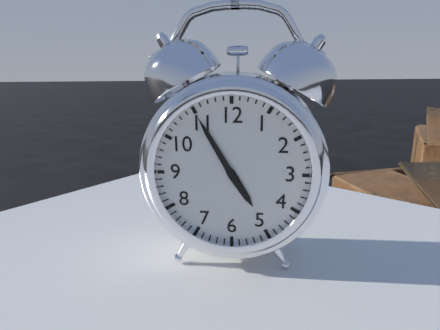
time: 4:55
